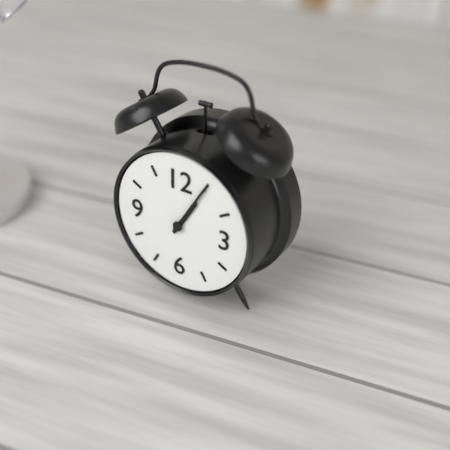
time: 1:05
